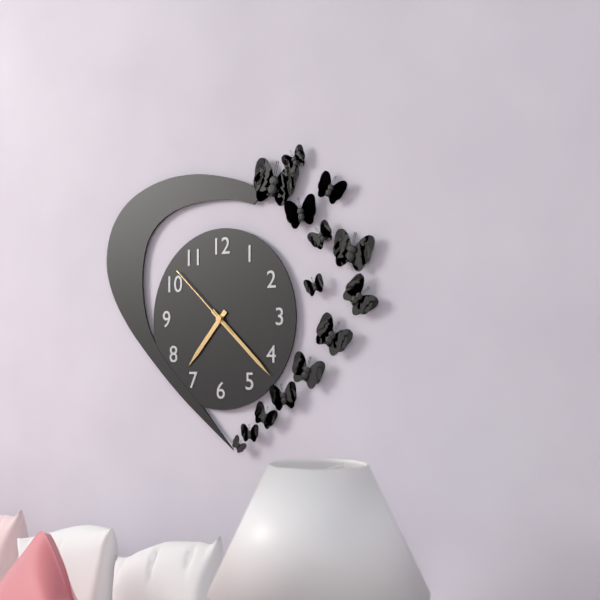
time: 7:22:52
